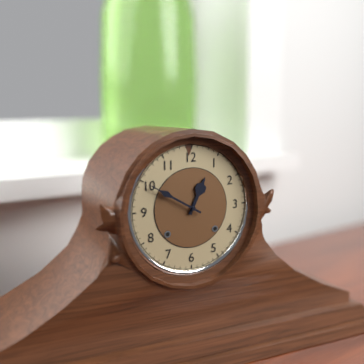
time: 12:50
